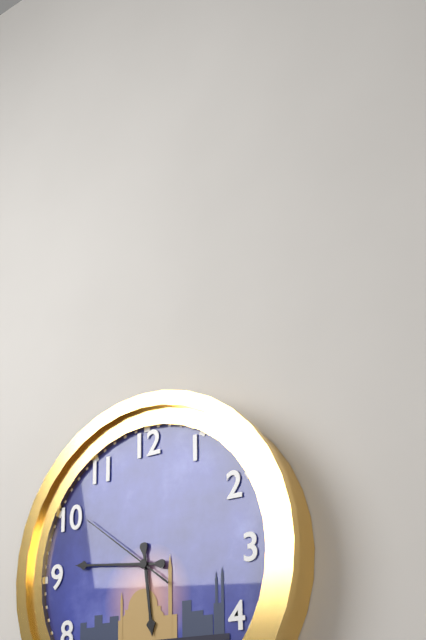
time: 5:46:51
